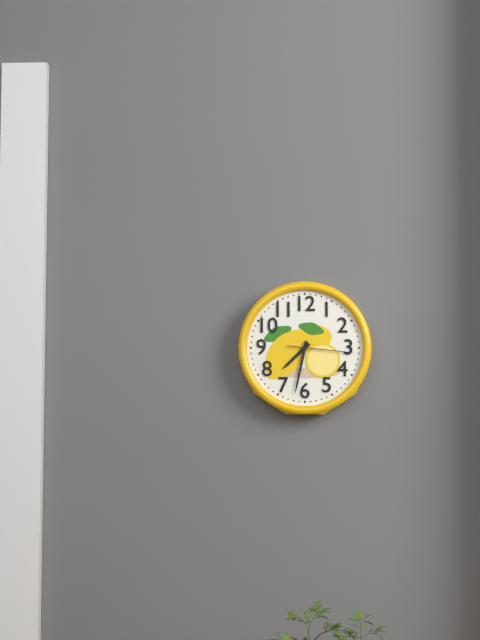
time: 7:32:16
